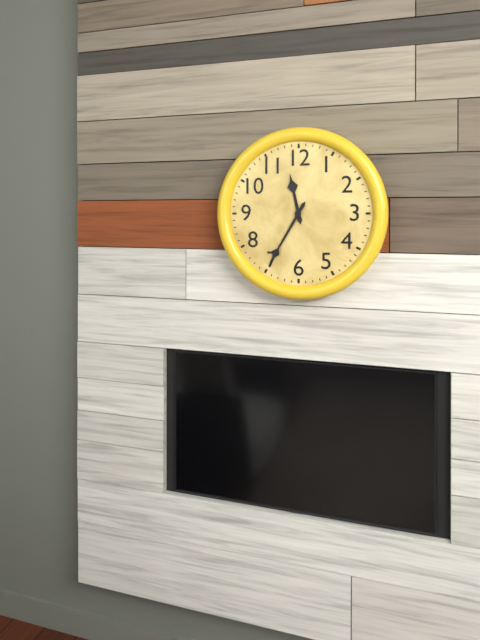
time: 11:35
